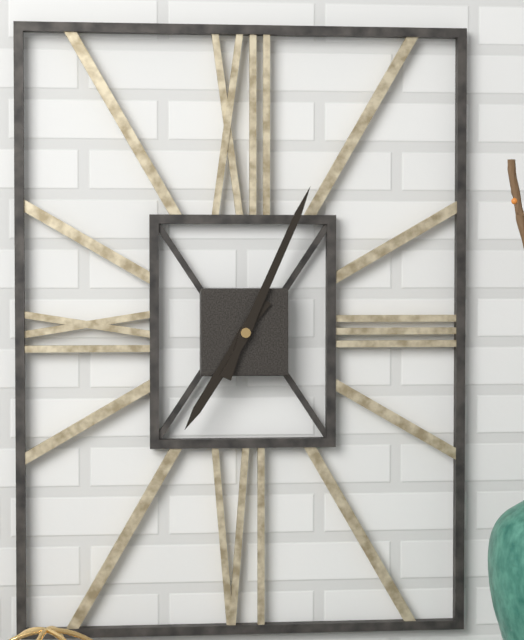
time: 7:04
